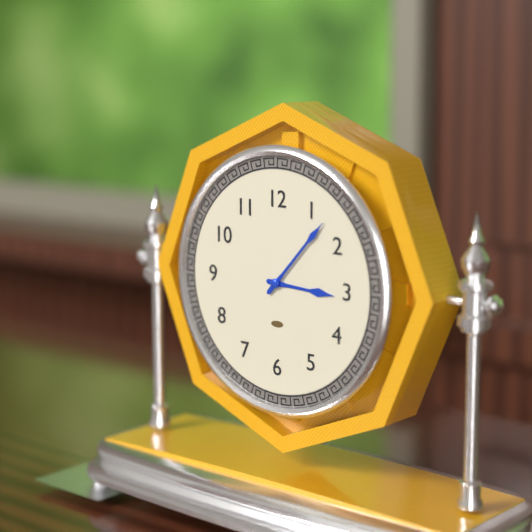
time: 3:07
